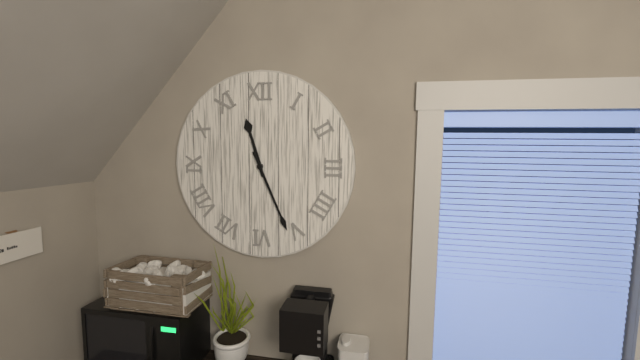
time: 11:26
